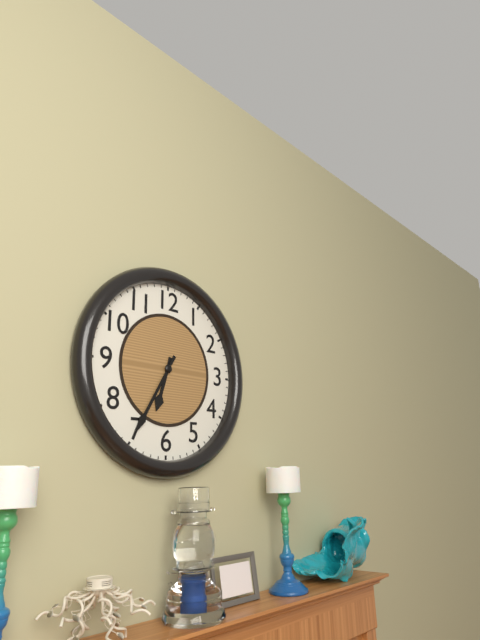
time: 6:35
